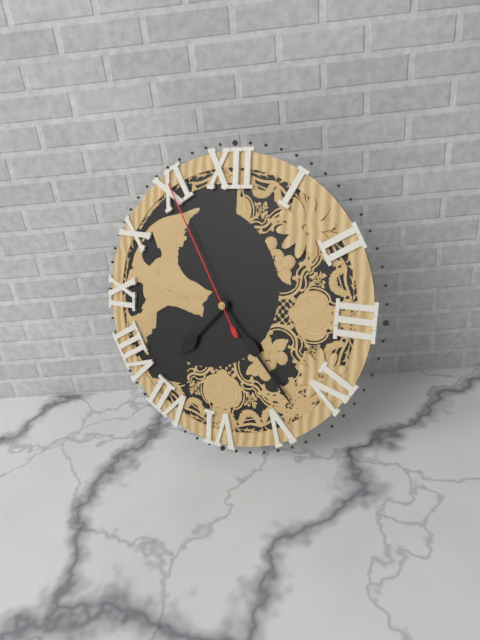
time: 7:23:55
